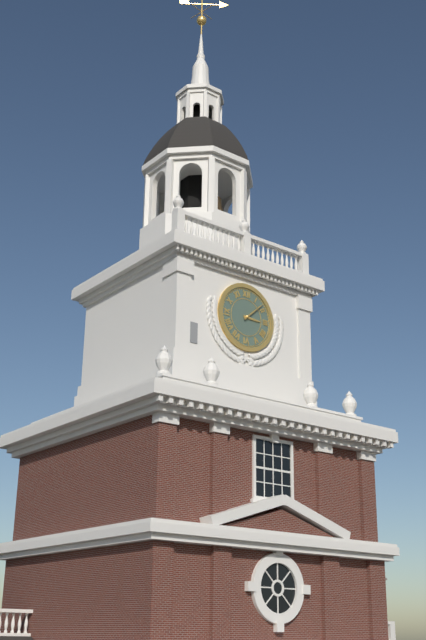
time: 3:08
